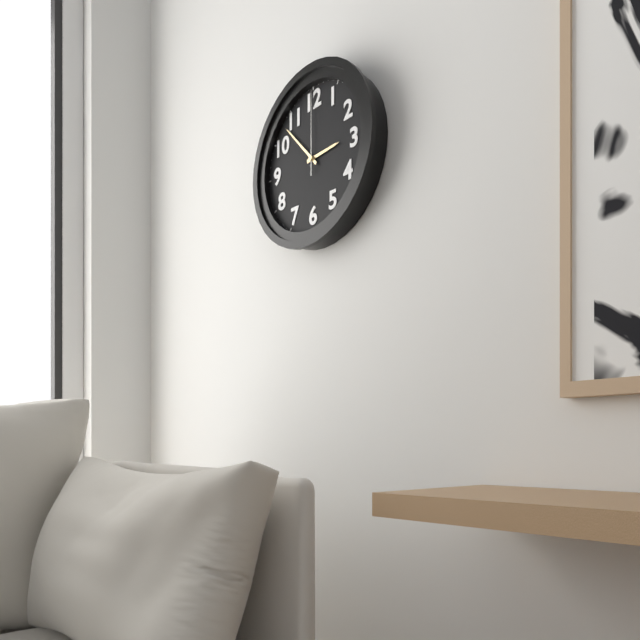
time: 2:53:00
